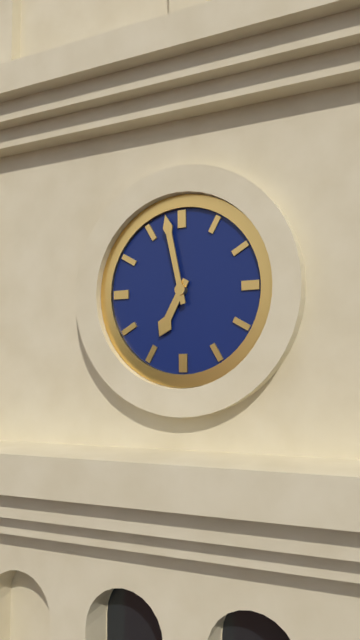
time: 6:58
